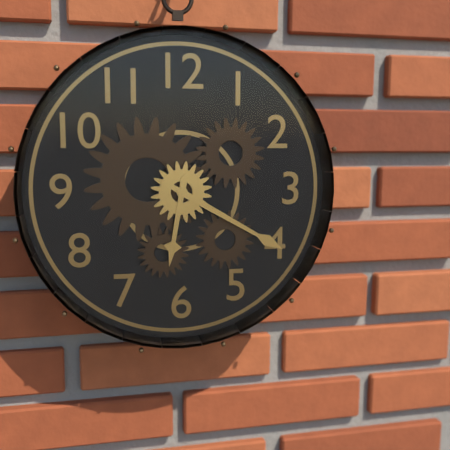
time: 6:20
